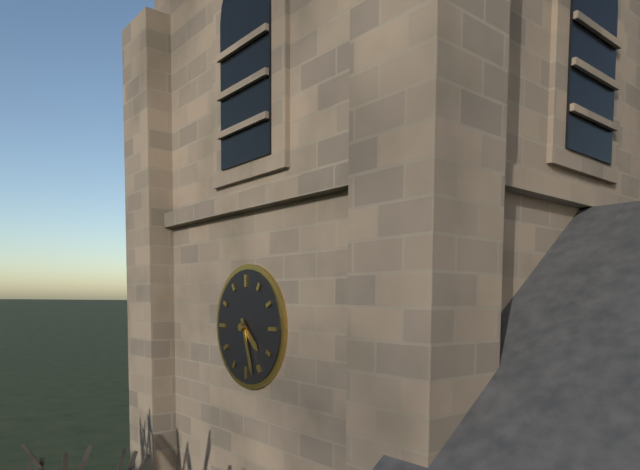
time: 4:27
